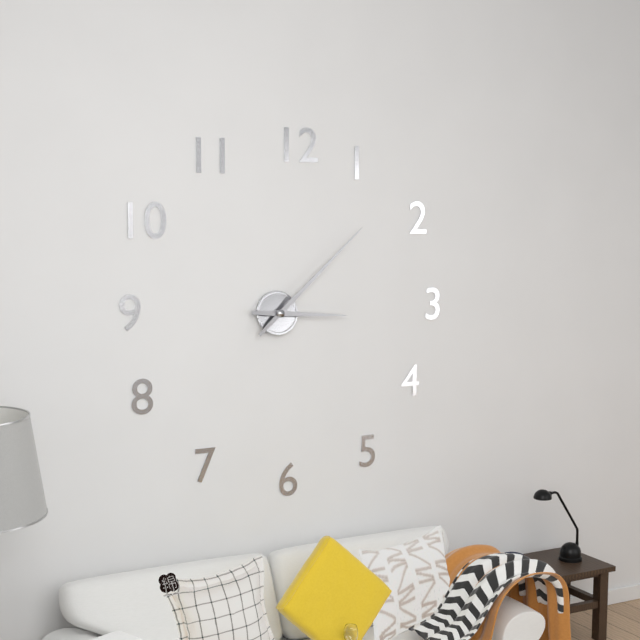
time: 3:08
